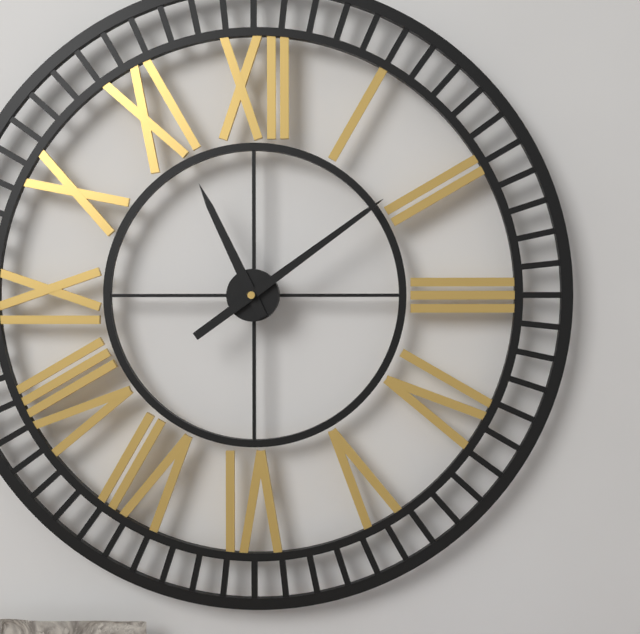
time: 11:09
